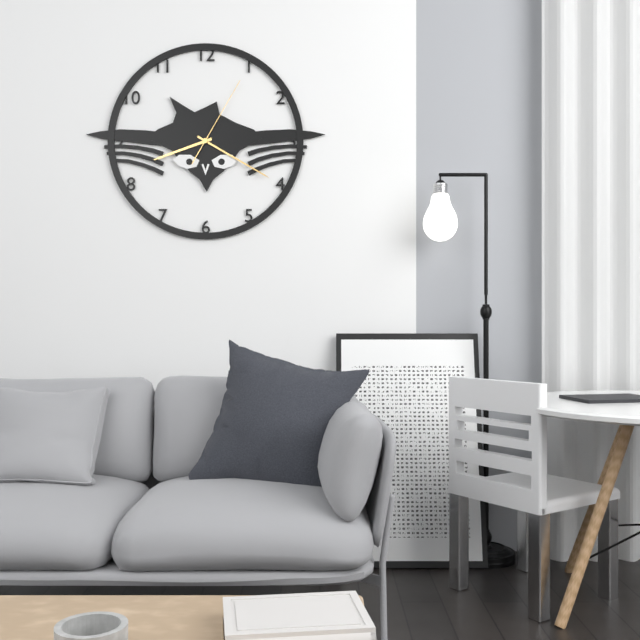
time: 8:20:05
